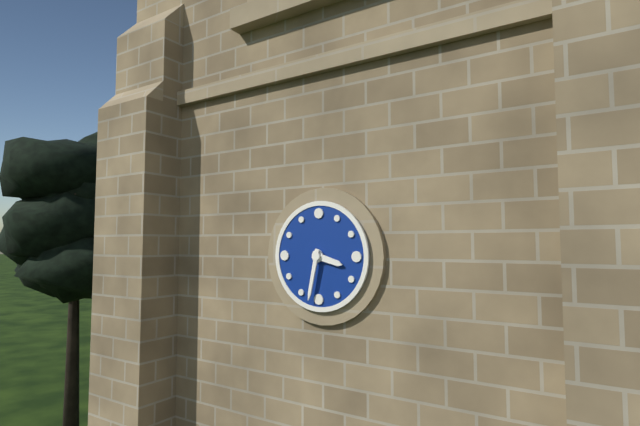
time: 3:32
